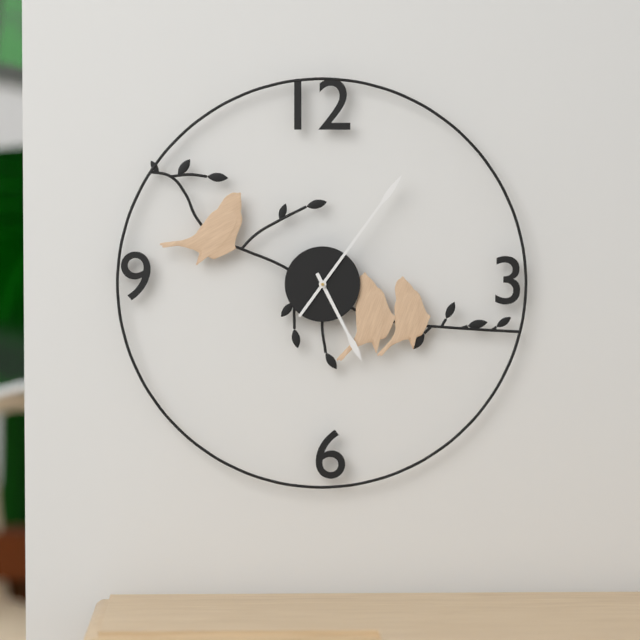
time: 5:06
